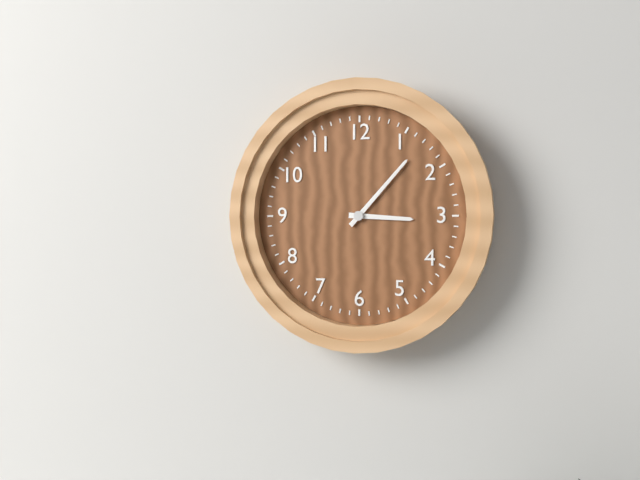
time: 3:07
